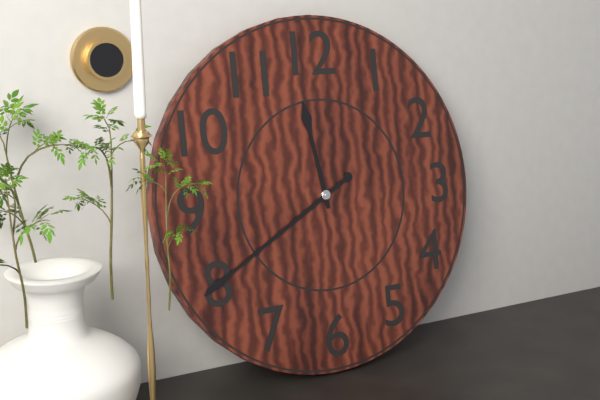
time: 11:40
